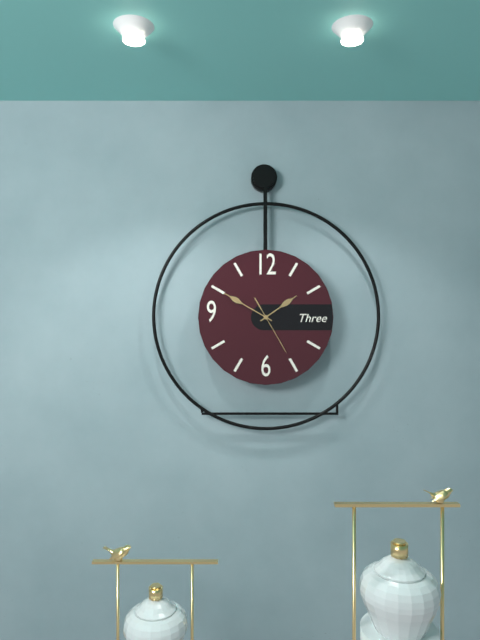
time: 1:50:25
